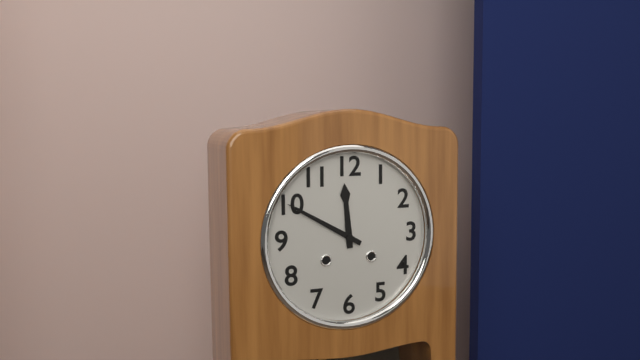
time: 11:50
